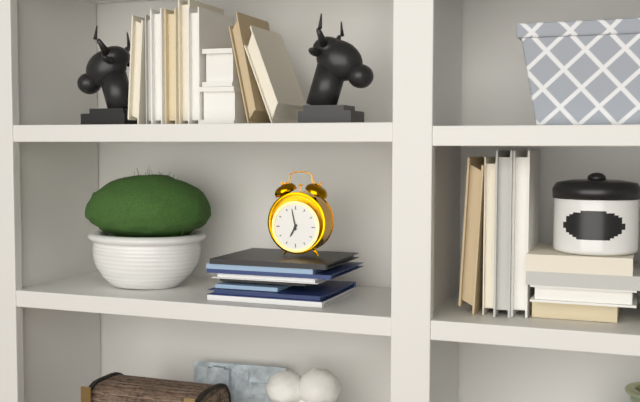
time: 6:58
